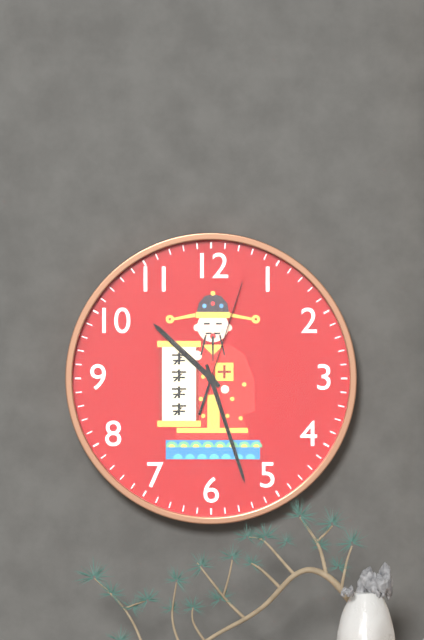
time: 10:27:03
